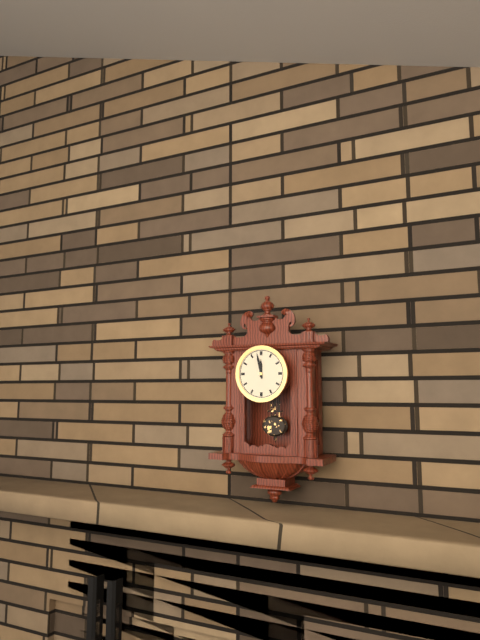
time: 11:58
